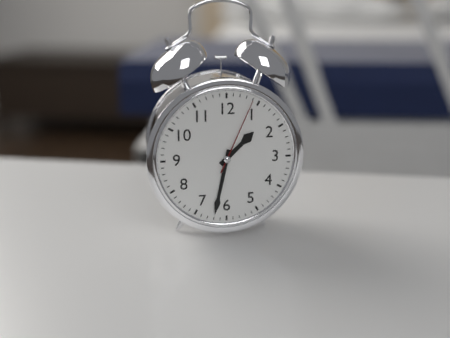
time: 1:32:04
